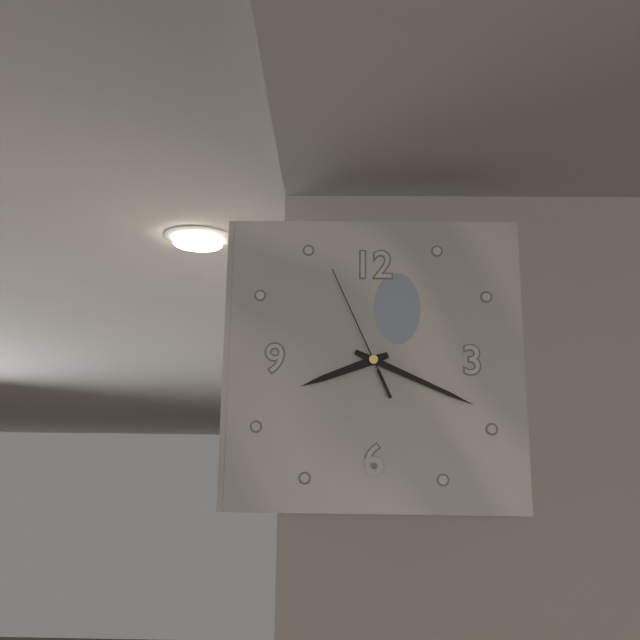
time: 8:19:56
